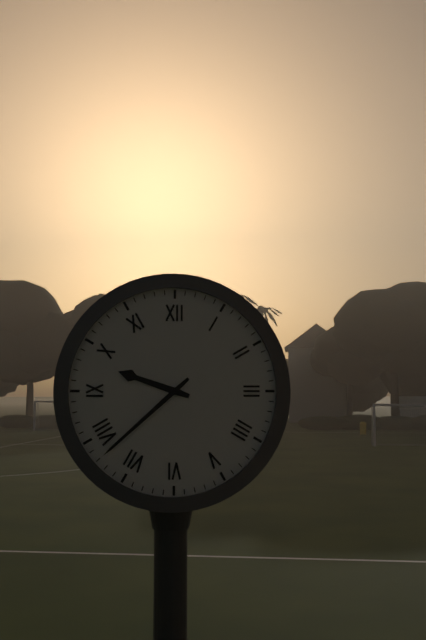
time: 9:38
